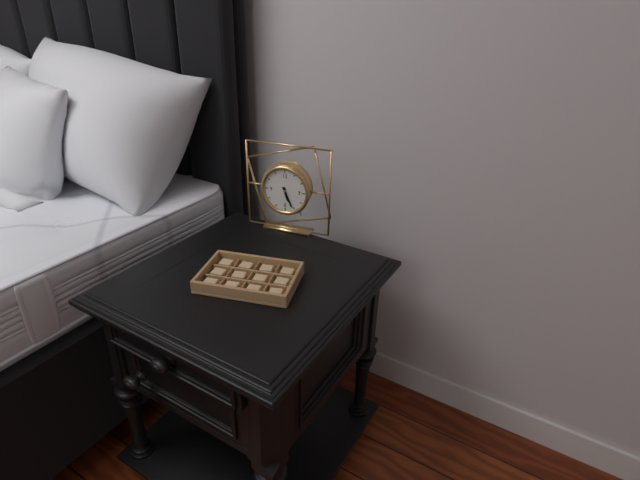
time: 5:26
